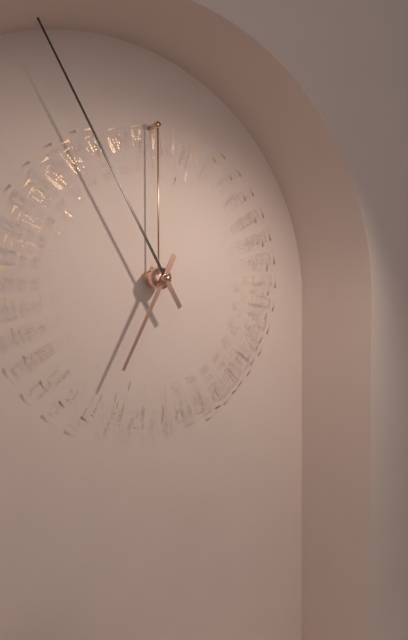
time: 6:55
